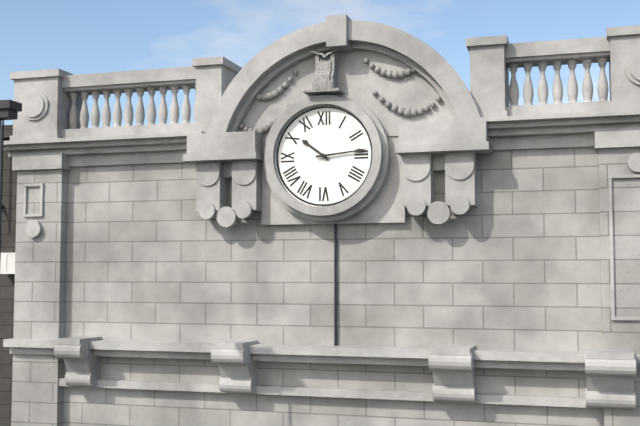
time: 10:14
